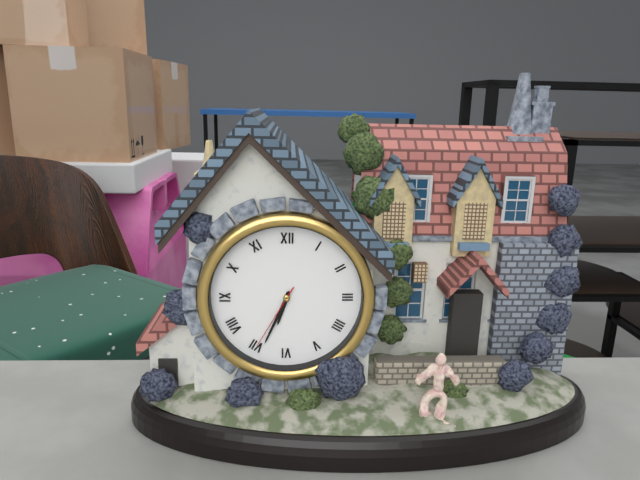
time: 6:34:35
